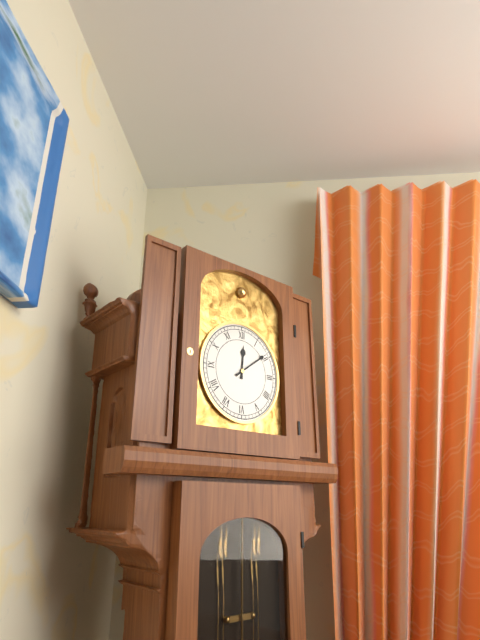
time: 12:09
